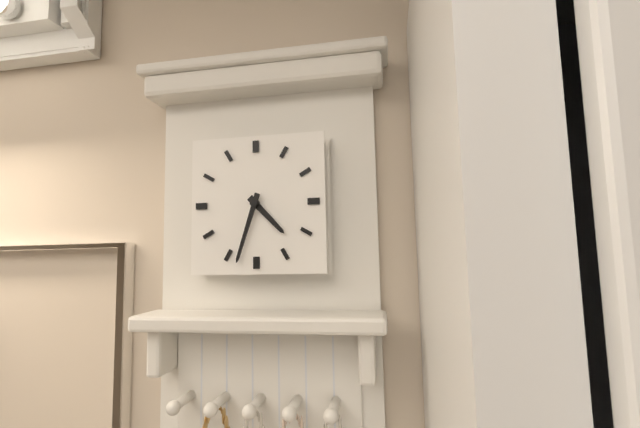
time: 4:33
